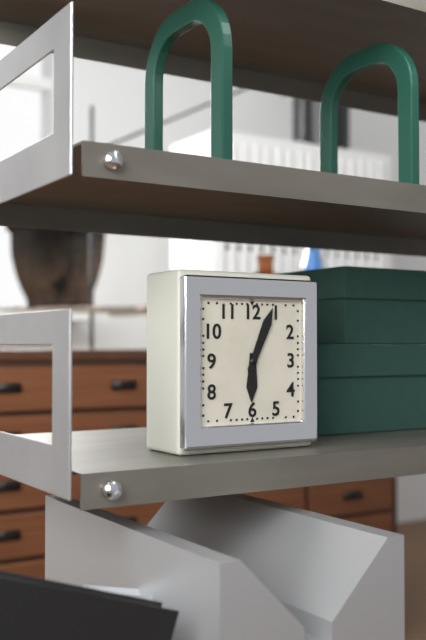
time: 6:04
